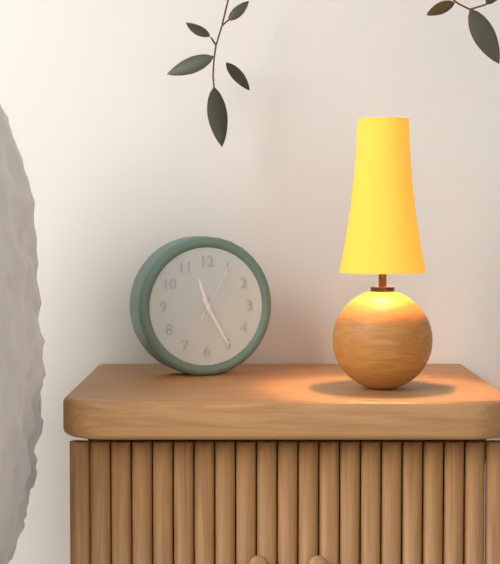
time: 11:25:05
